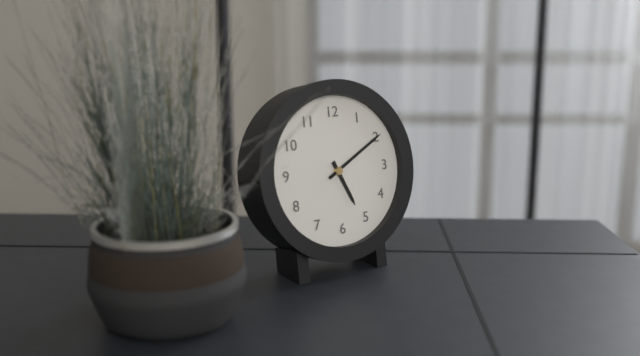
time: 5:10
